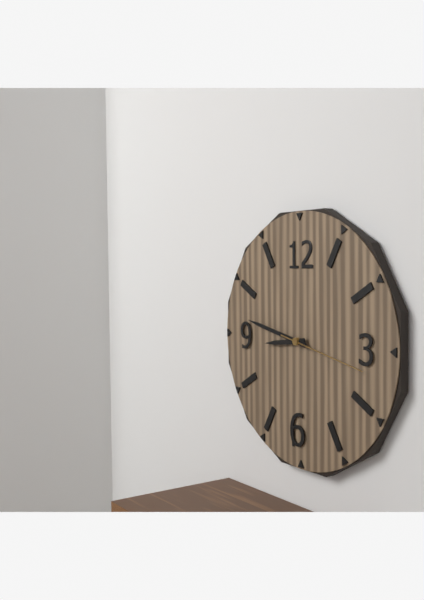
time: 8:47:17
